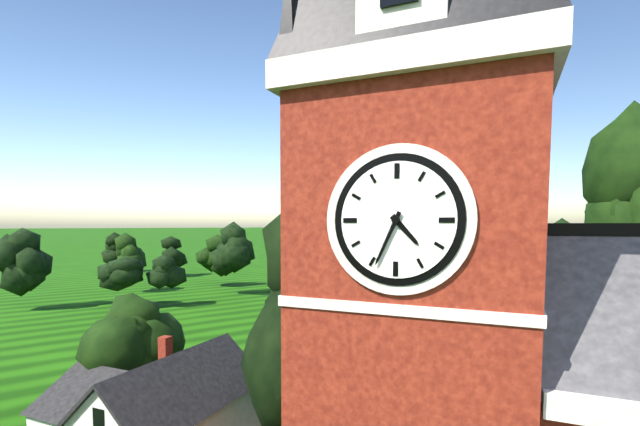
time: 4:34
